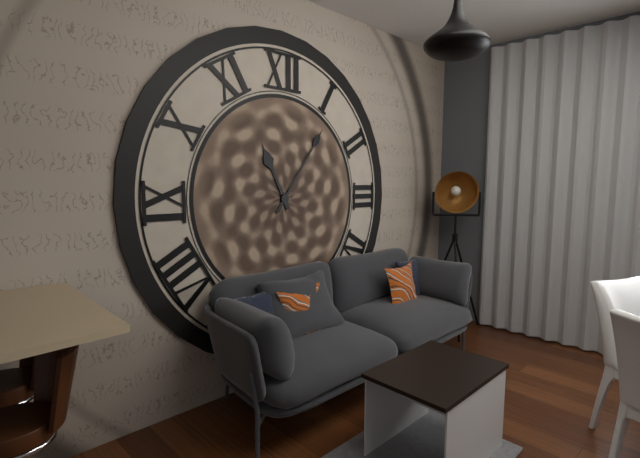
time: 11:06
